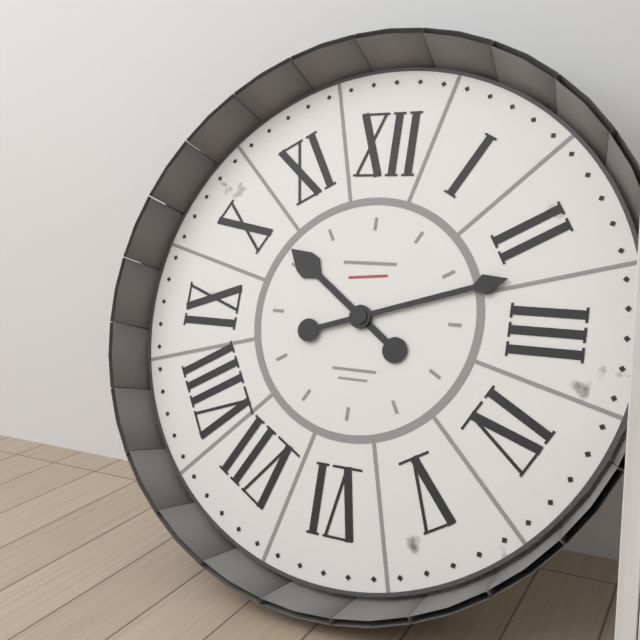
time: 10:12
